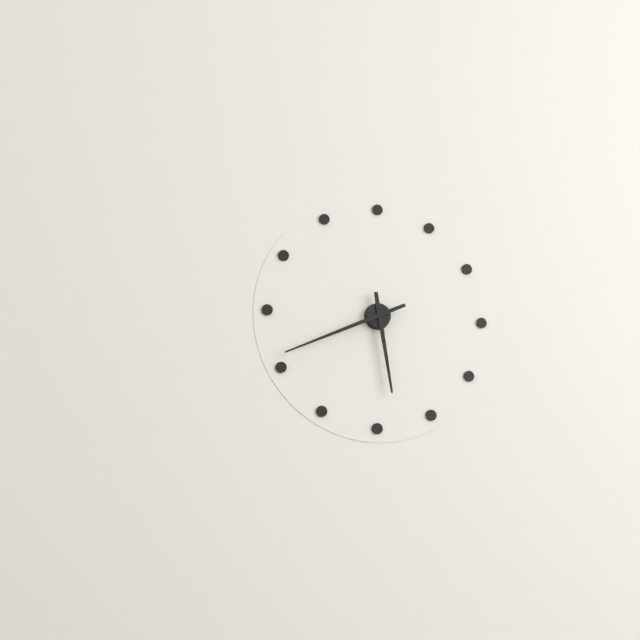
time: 5:41
